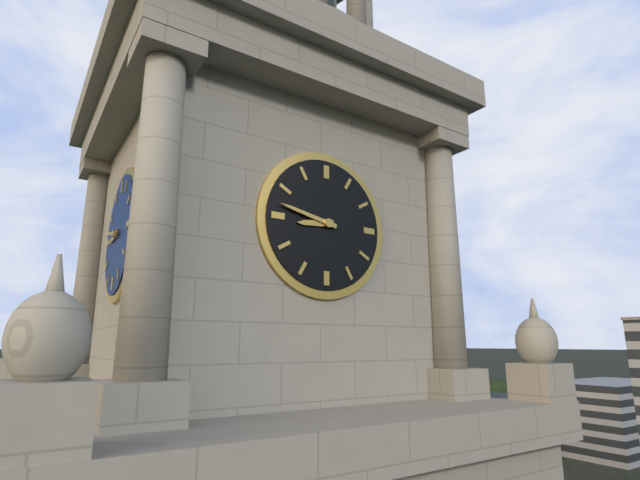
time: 8:47
